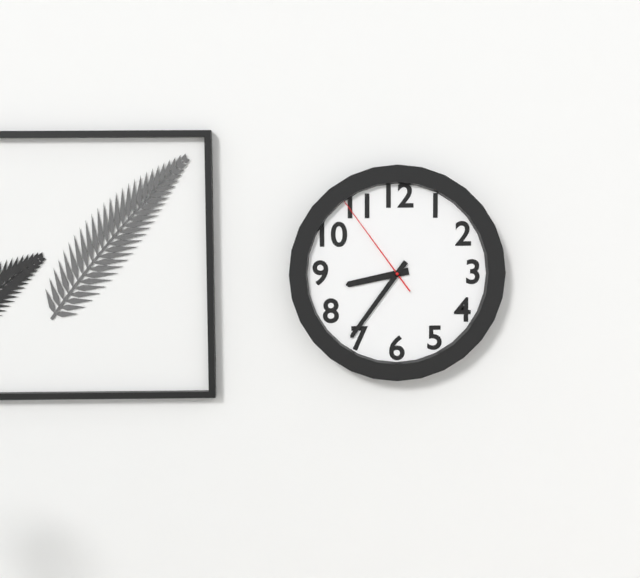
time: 8:36:54
